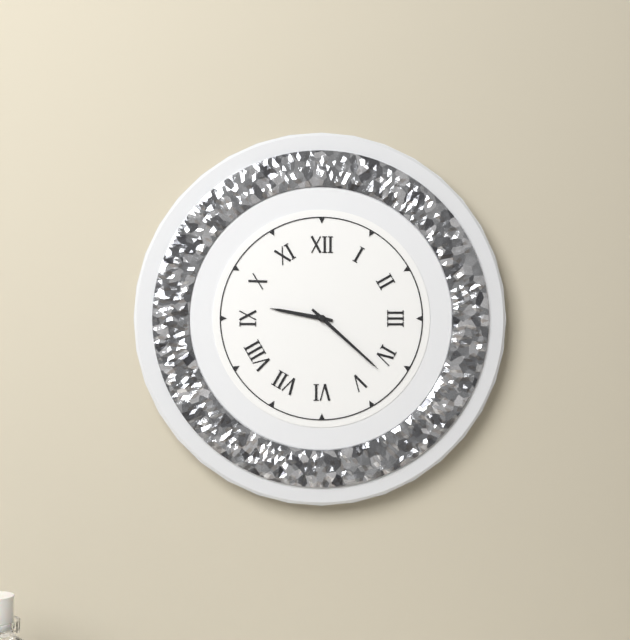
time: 9:22
